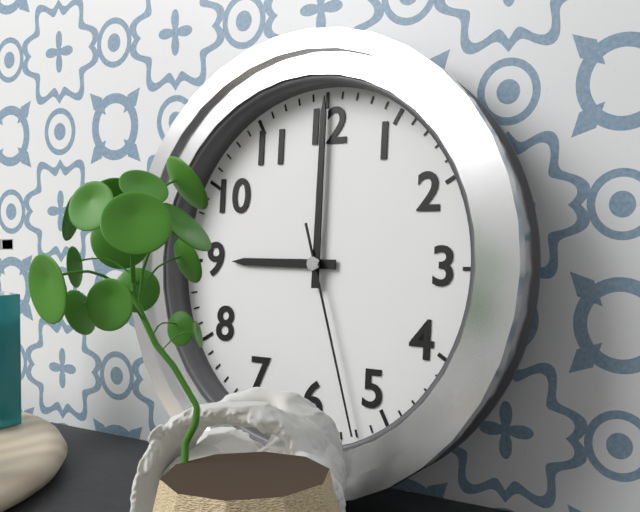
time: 9:00:27
